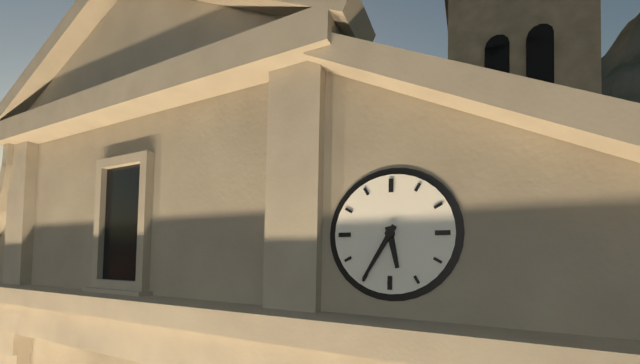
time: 5:35
